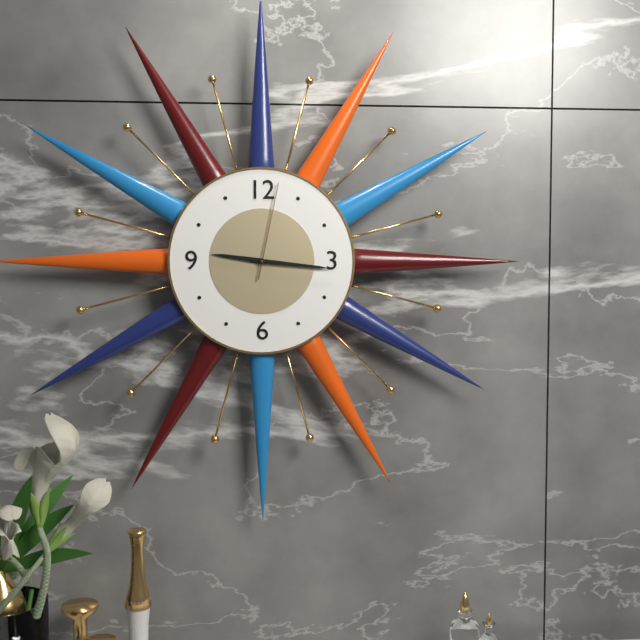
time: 9:16:02
